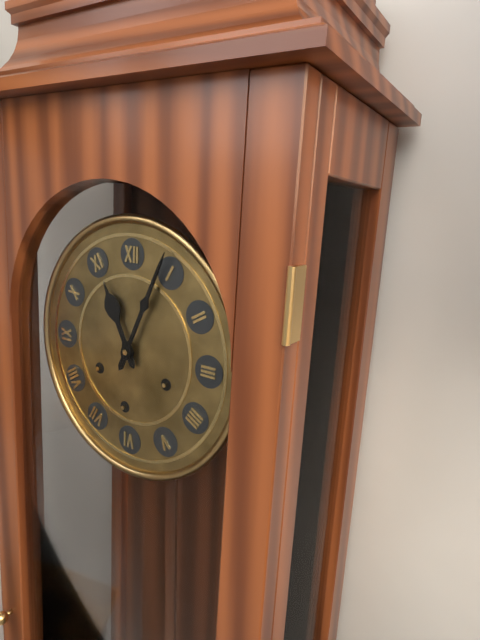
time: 11:04
